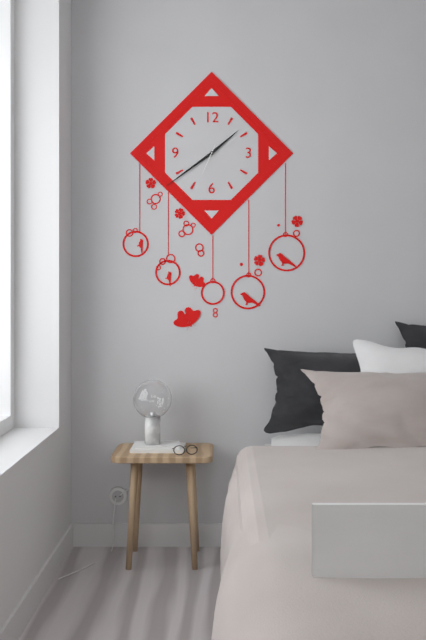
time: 1:39
